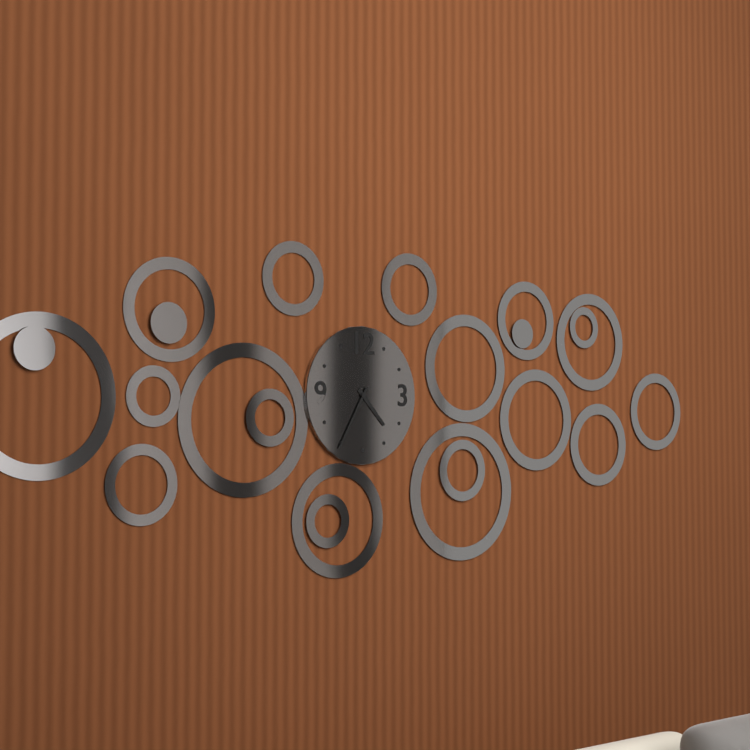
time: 4:35
